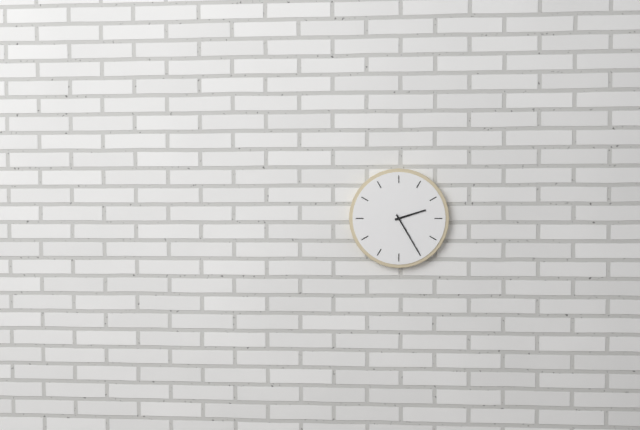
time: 2:25
